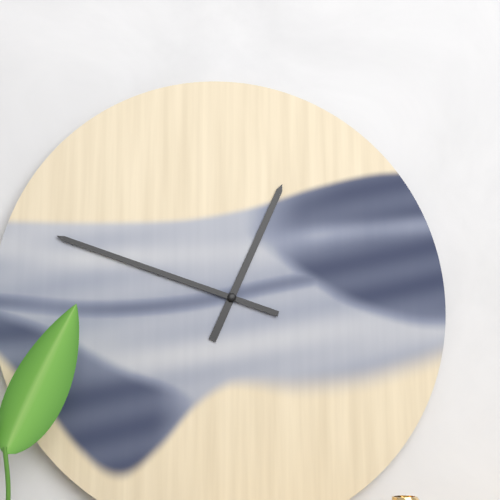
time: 12:48
